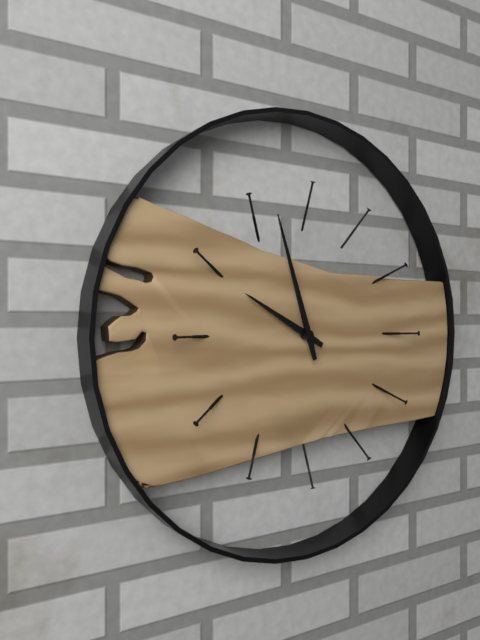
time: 9:57
